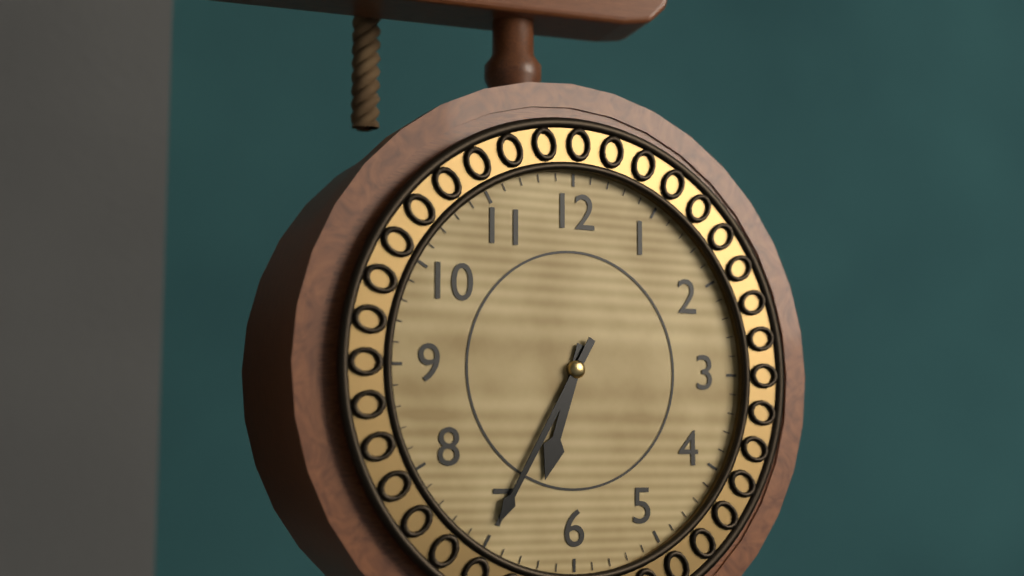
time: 6:35
